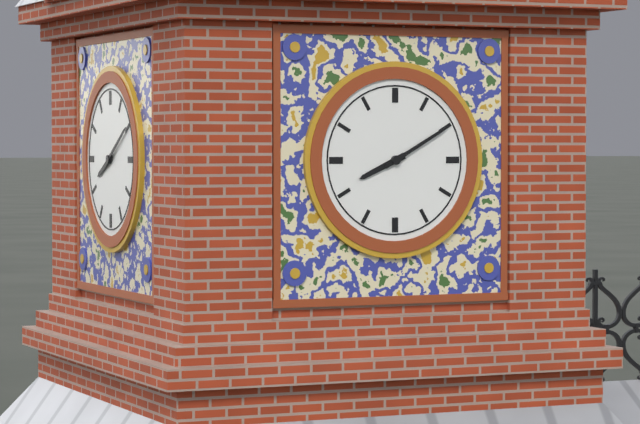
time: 8:10
